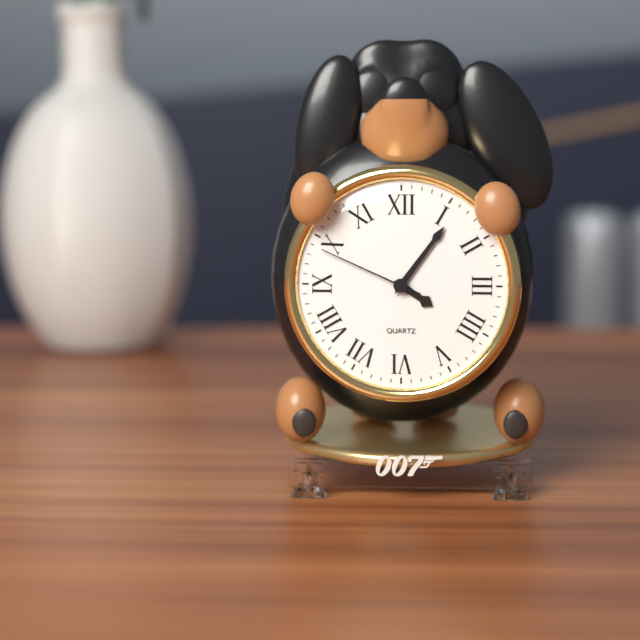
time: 4:06:49
